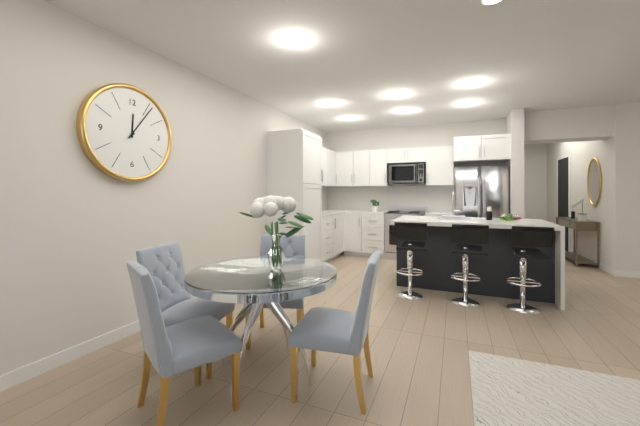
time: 12:06
